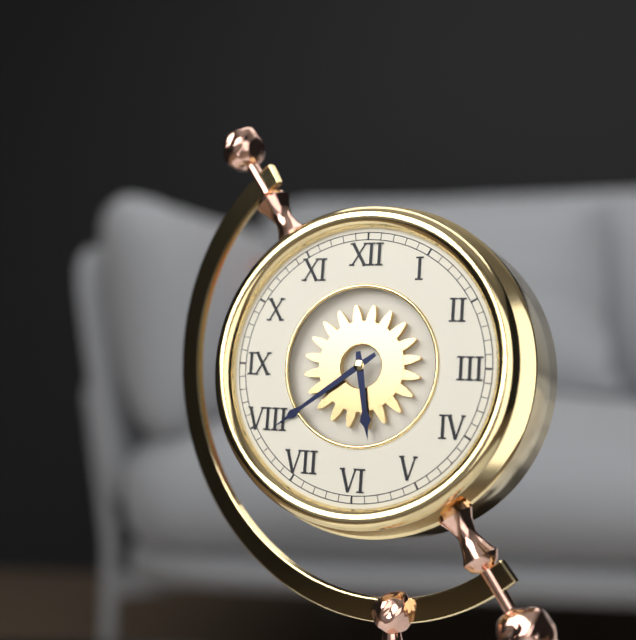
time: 5:39
